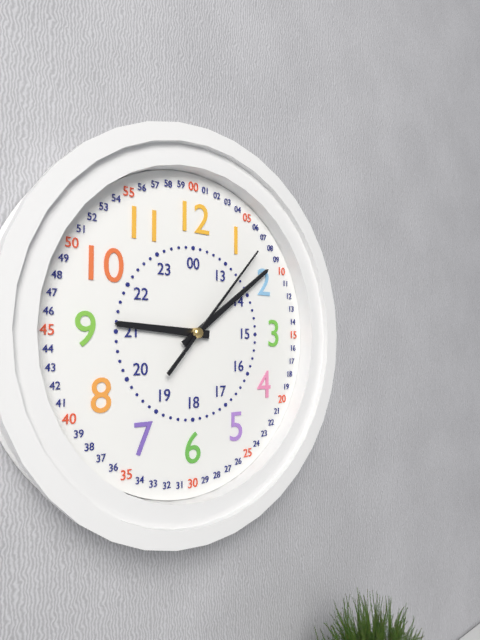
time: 9:09:07
